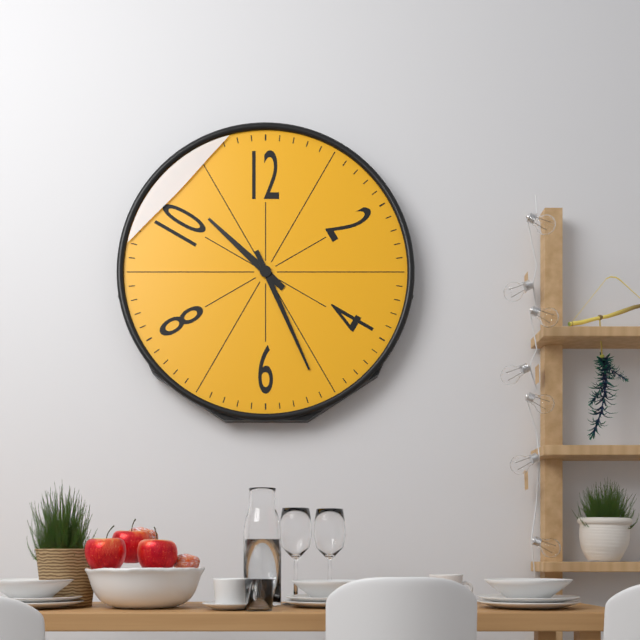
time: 10:26
